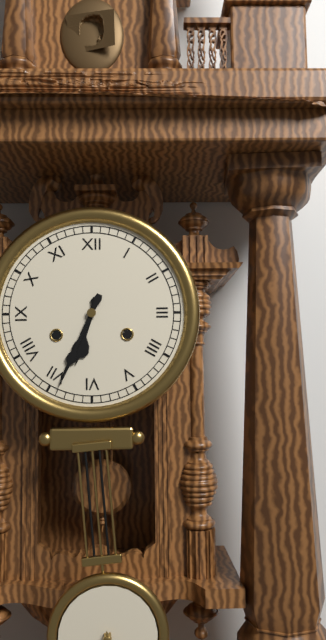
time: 6:34
